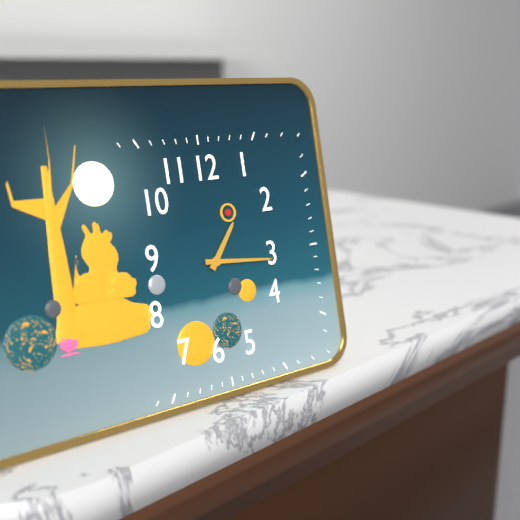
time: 1:16
